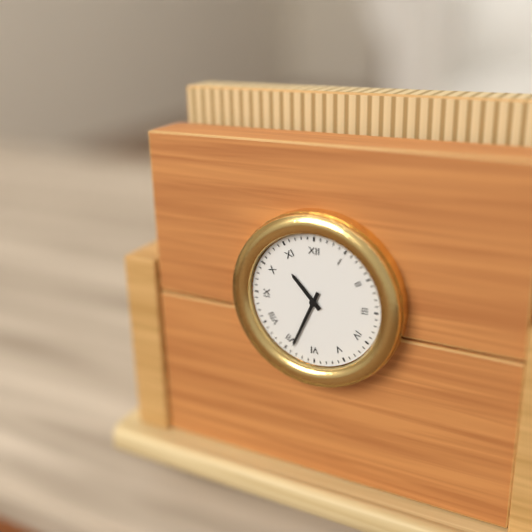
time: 10:34
